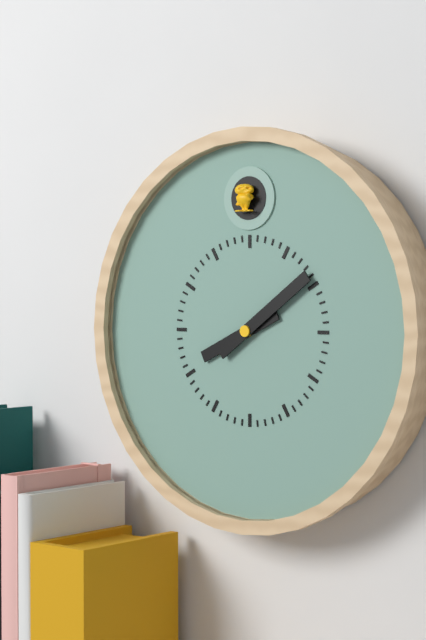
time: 8:09
